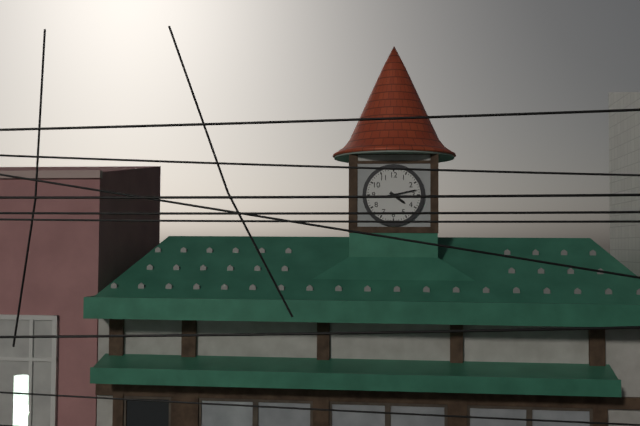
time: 4:13
